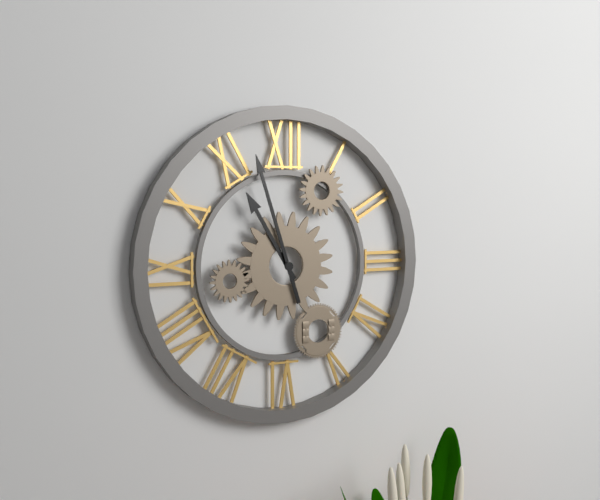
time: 10:57
